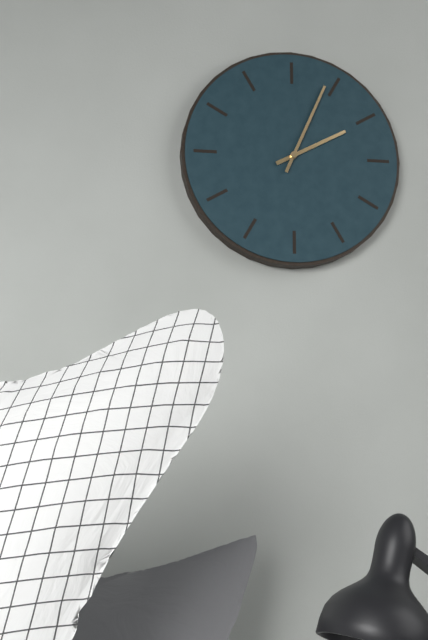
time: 2:04
